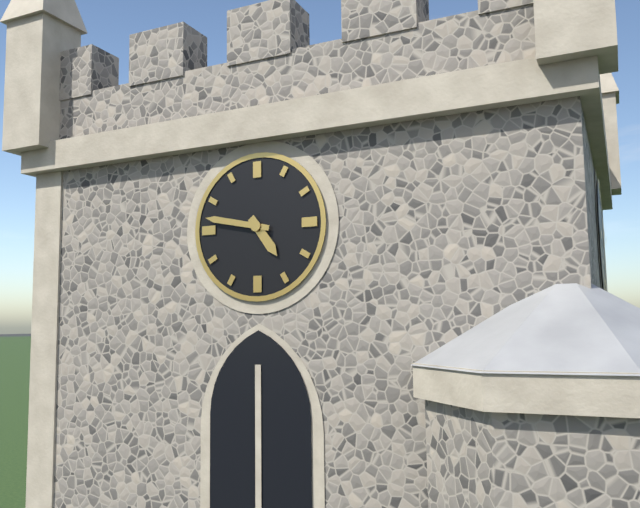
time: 4:47
